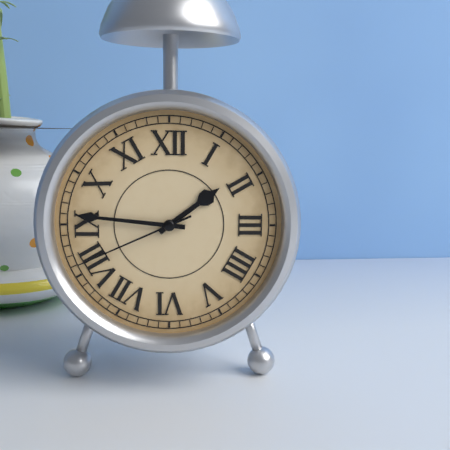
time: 1:46:41
